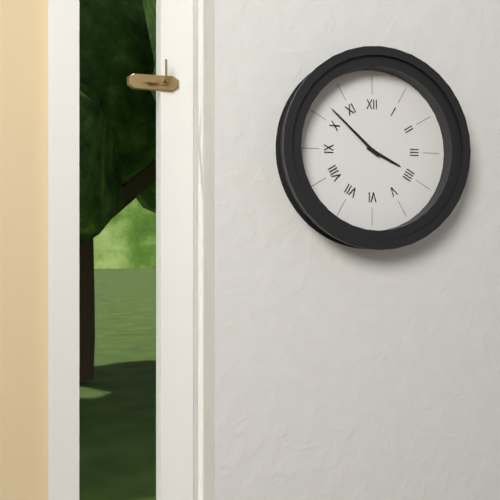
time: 3:52
